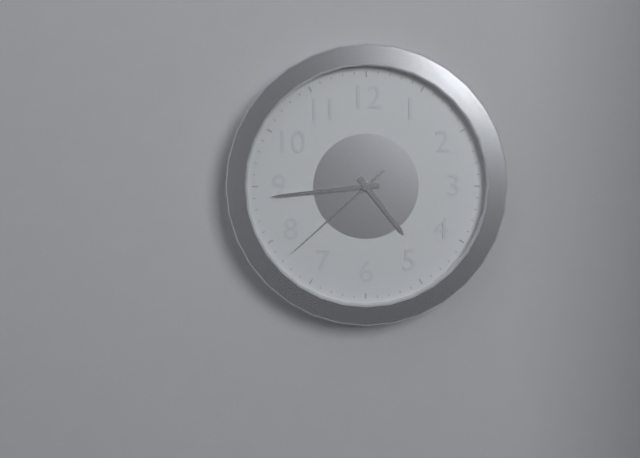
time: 4:44:38
